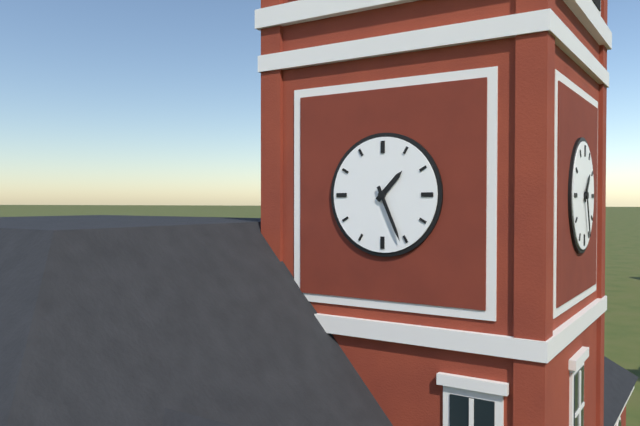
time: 1:26
